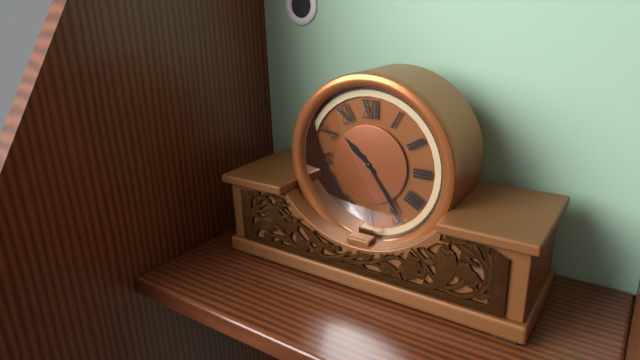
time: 10:24
